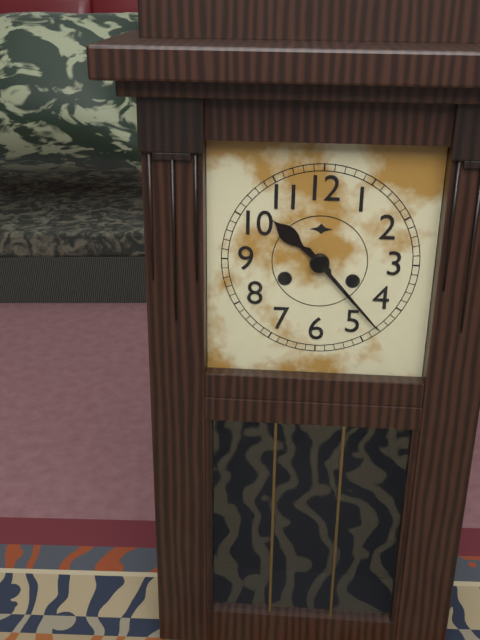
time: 10:23
